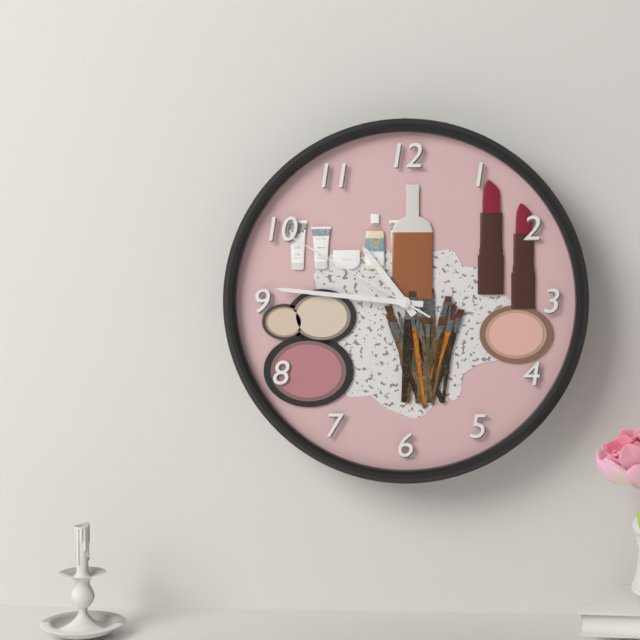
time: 10:46:50
